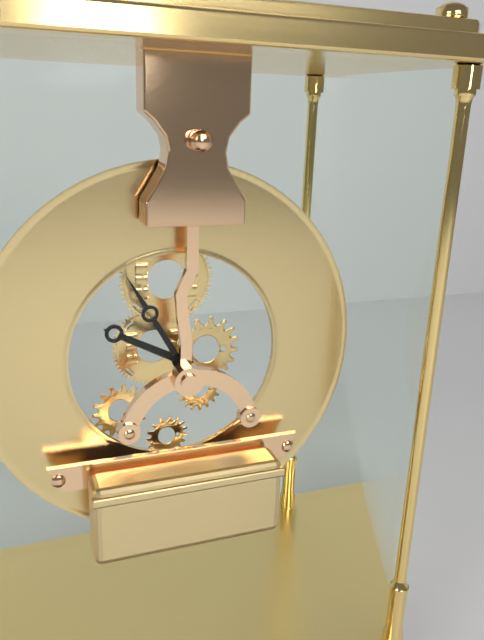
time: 9:55
